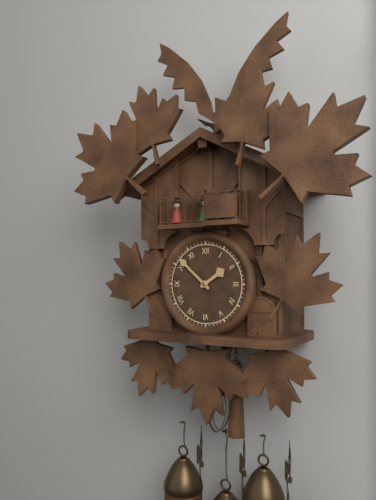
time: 1:52
